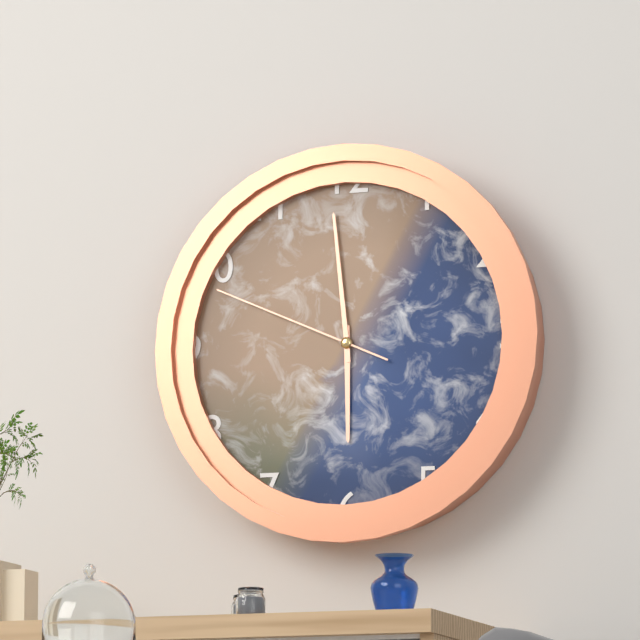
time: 5:59:49
